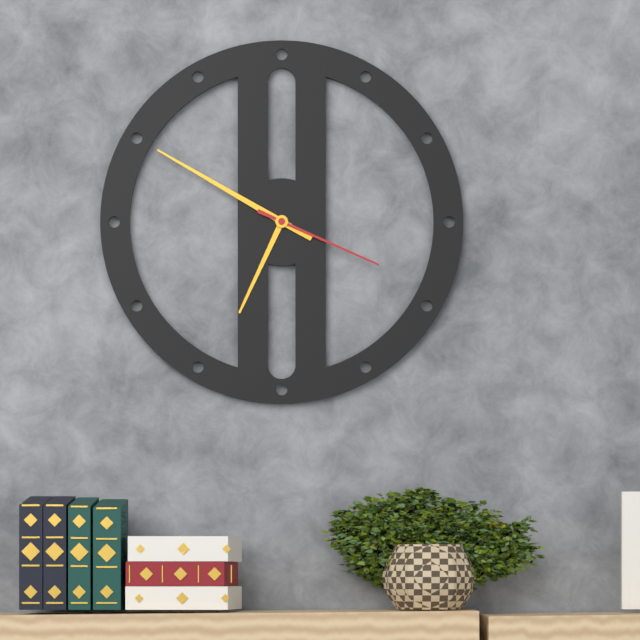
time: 6:50:19
